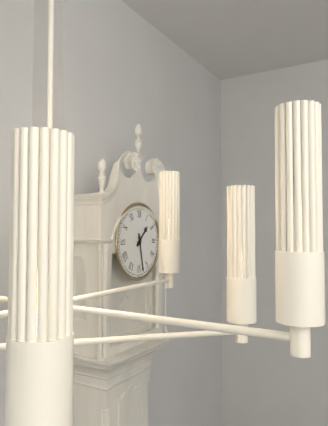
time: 1:28
